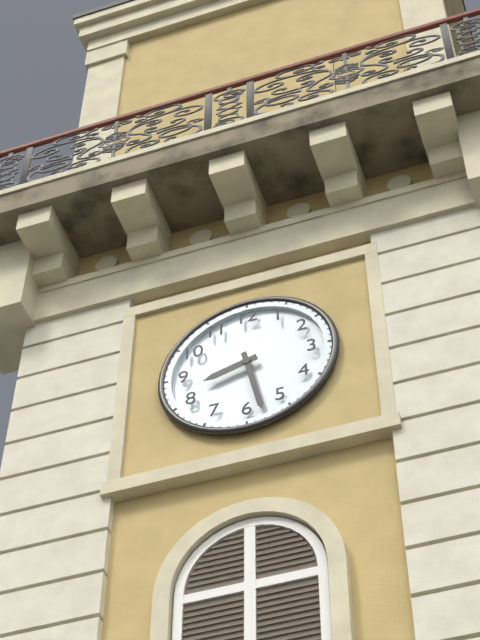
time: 8:28
